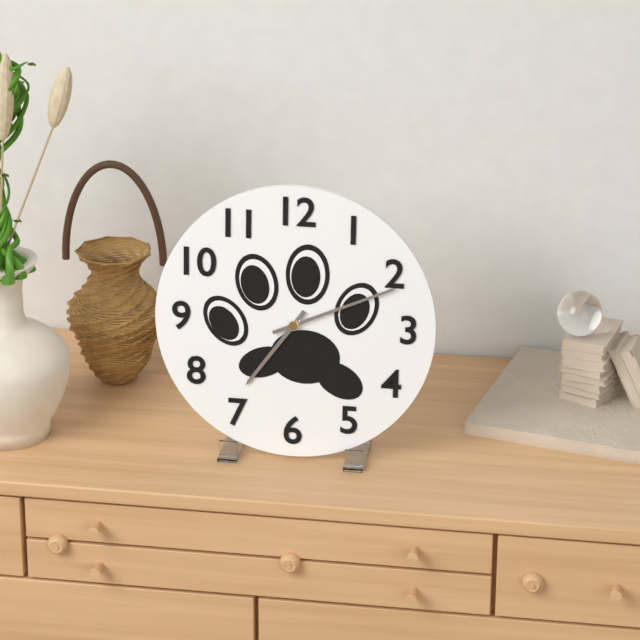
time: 7:11
